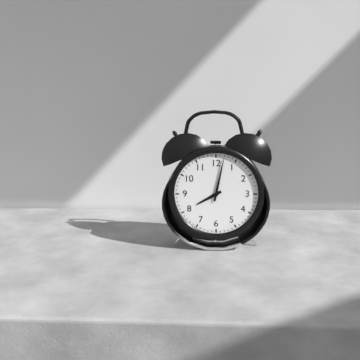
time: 8:02
